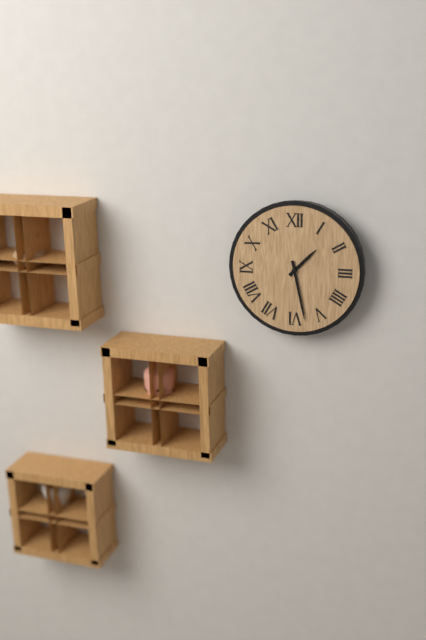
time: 1:28
